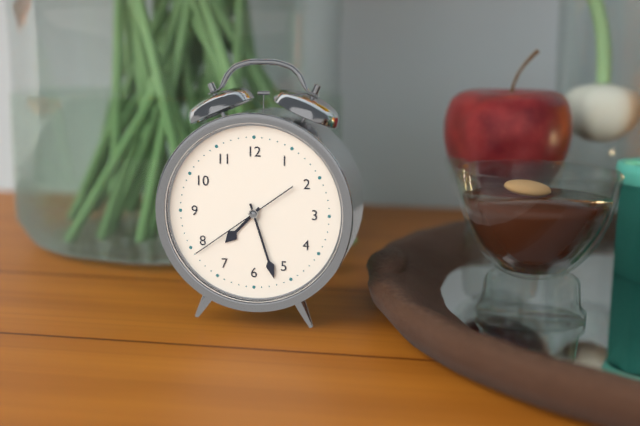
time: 7:27:39
